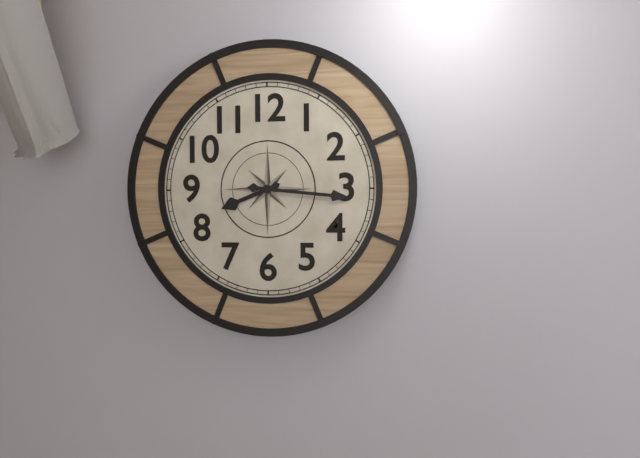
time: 8:16
